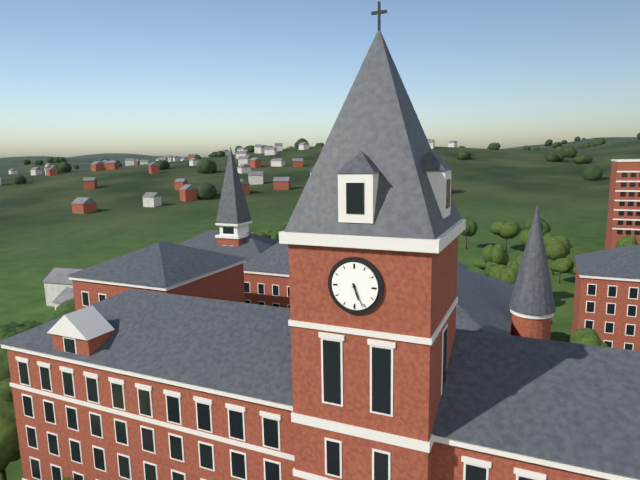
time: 5:26
